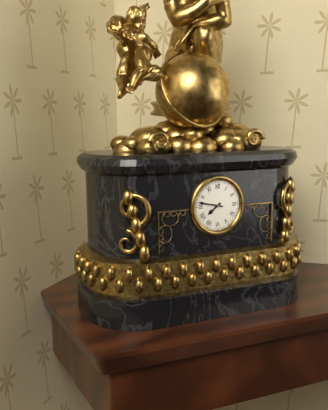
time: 7:47
